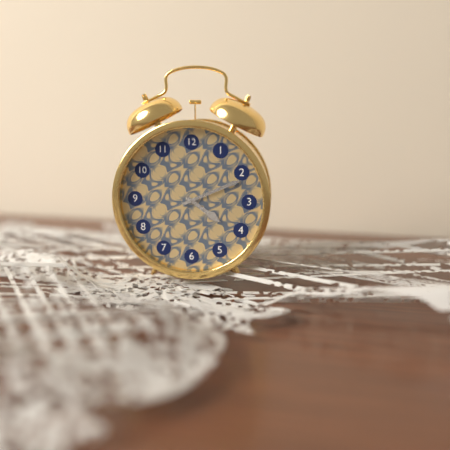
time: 4:11
